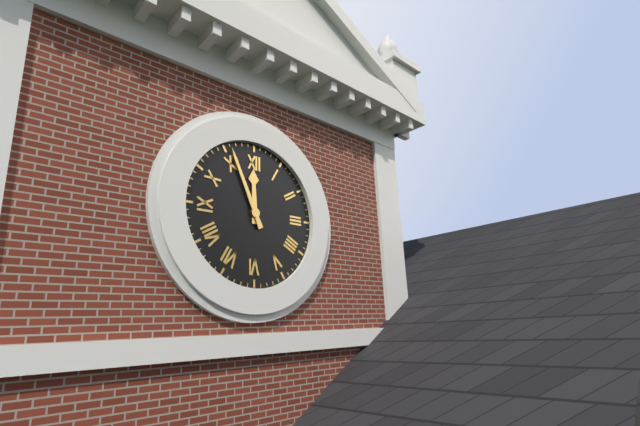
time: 11:56
